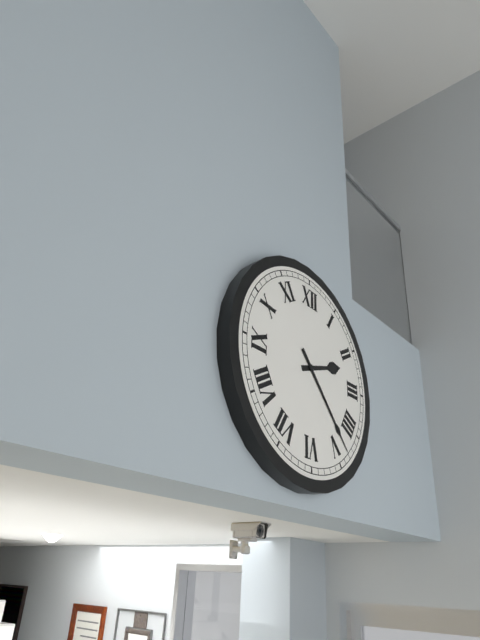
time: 2:23
